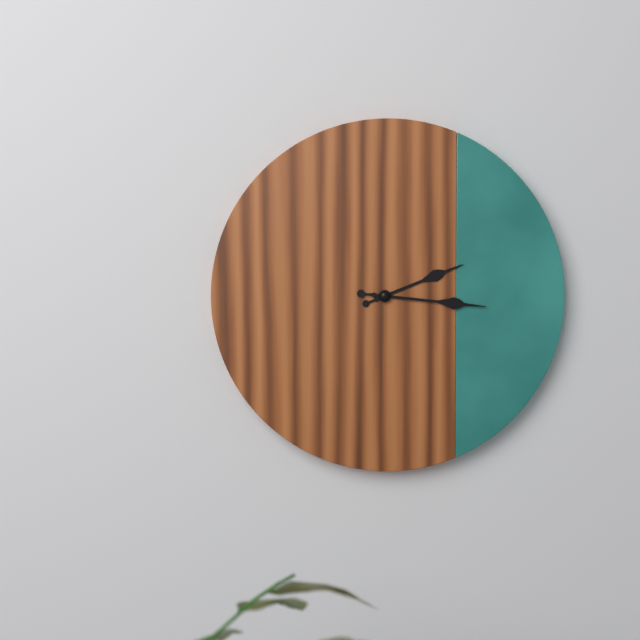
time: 2:16
